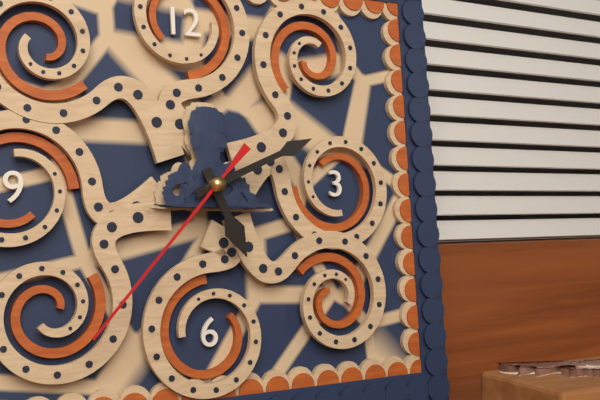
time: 5:11:37
